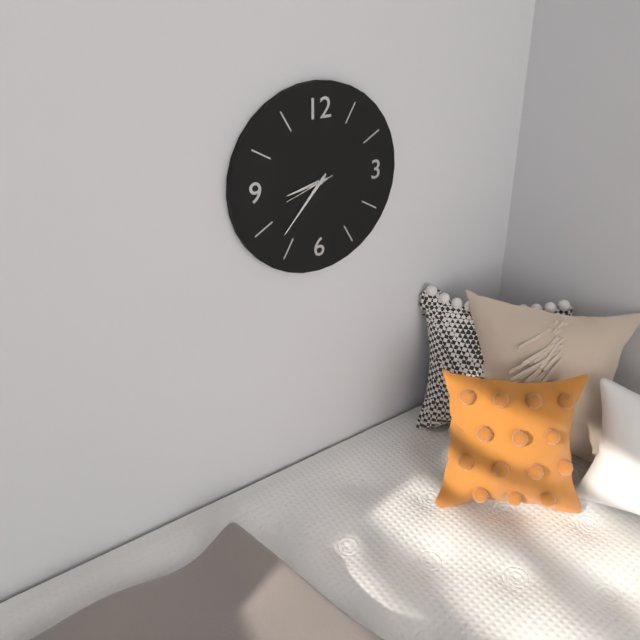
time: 8:37
